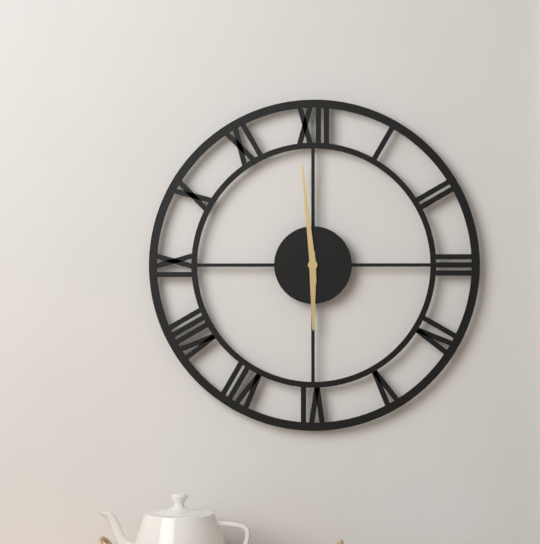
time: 5:59
